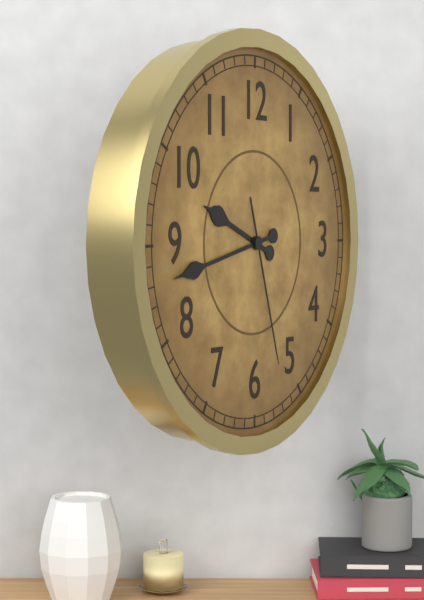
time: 9:43:27
